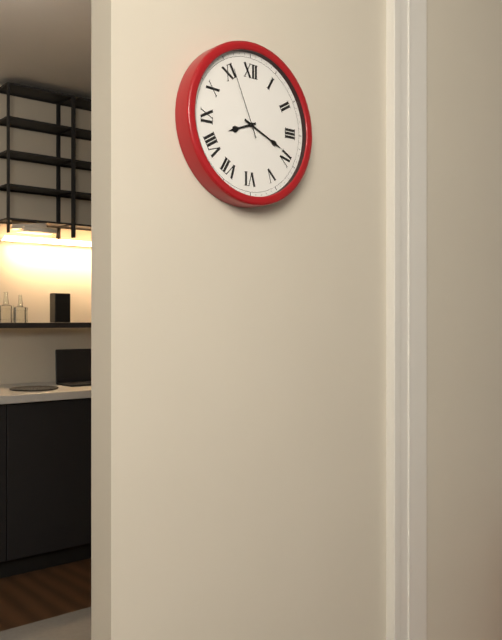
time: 8:19:56
